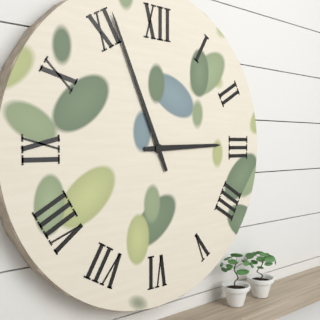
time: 2:56
